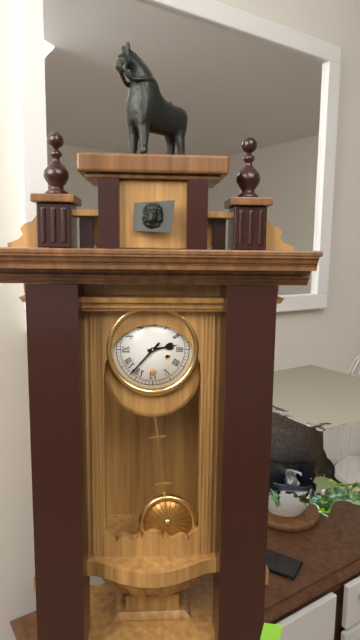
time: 2:37
